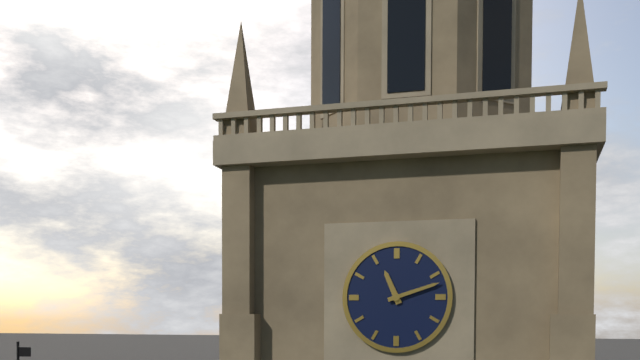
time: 11:12
